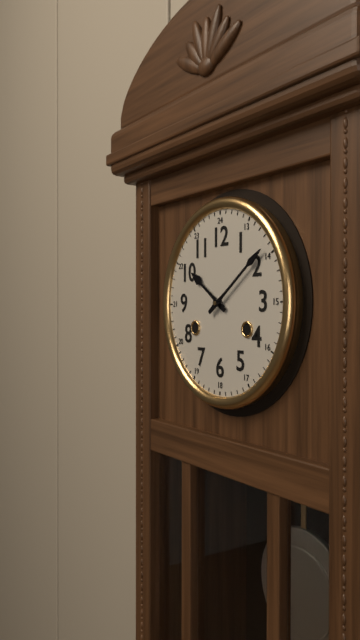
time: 10:09
